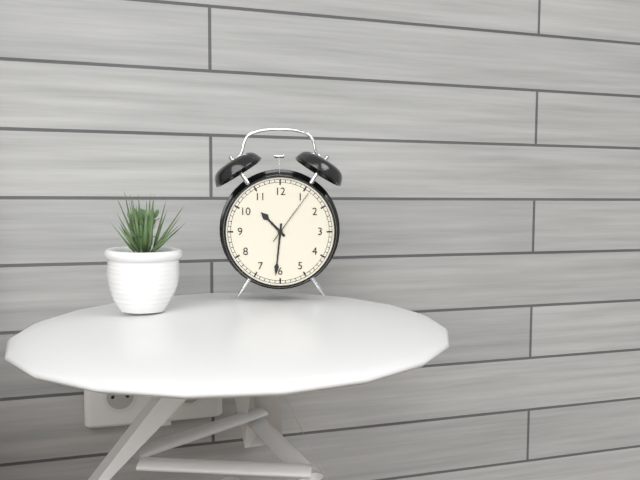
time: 10:31:06
